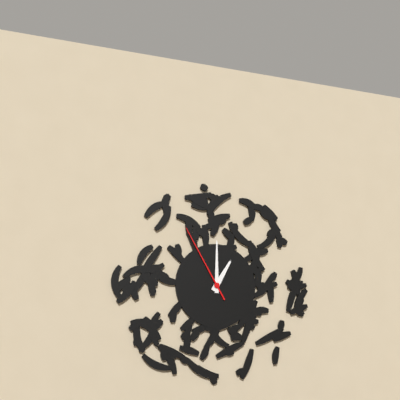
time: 1:00:55
